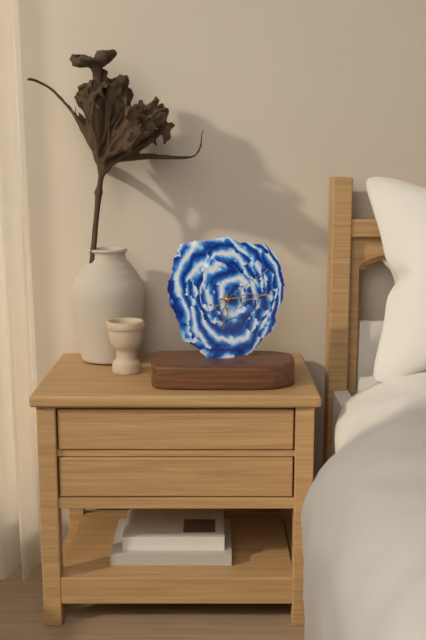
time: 6:14:09
